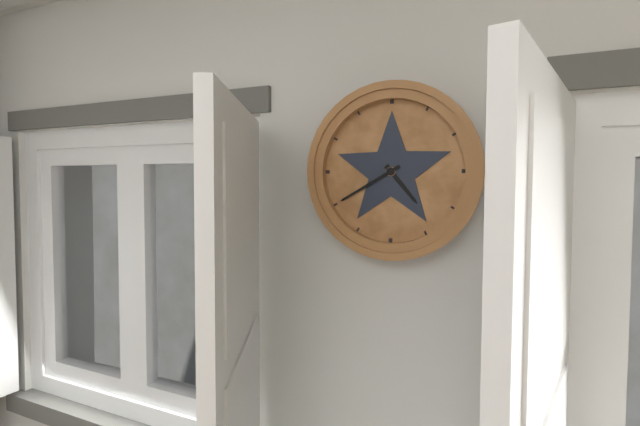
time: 4:40
